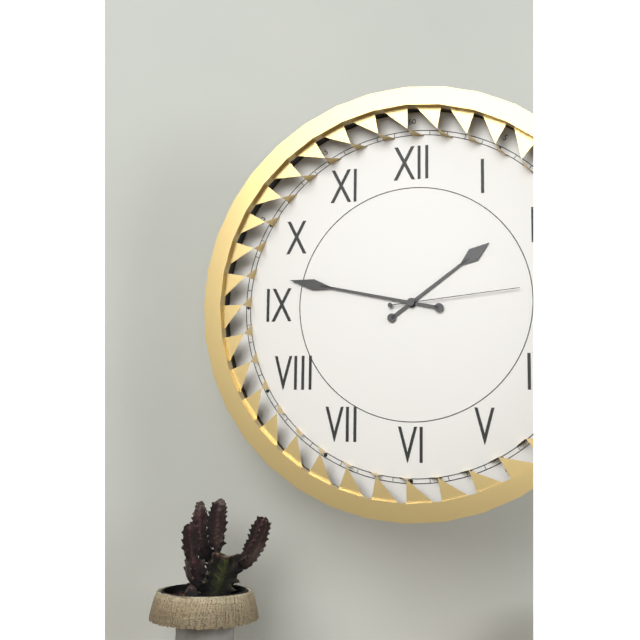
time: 1:47:14
